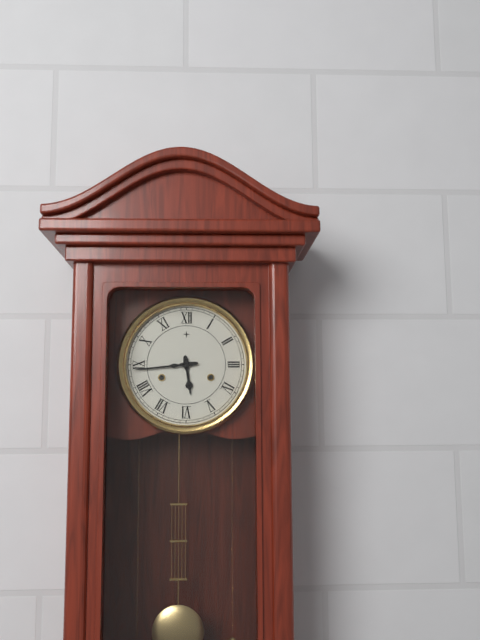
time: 5:44
